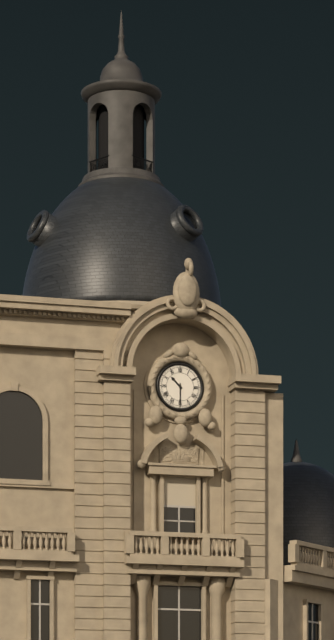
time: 10:30
